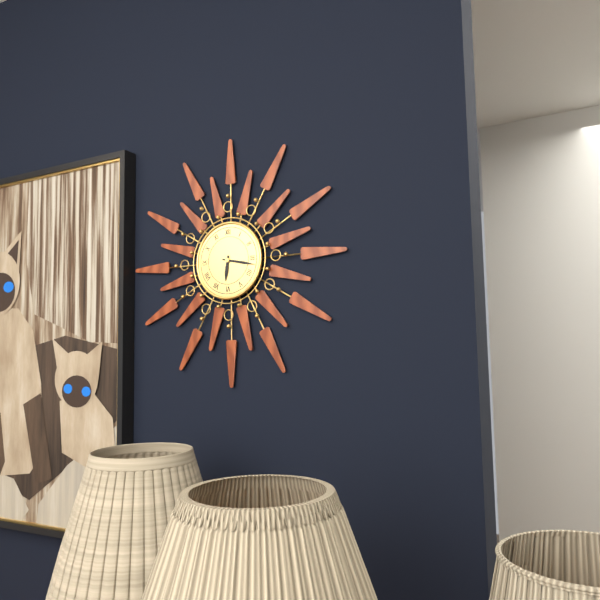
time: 6:17
